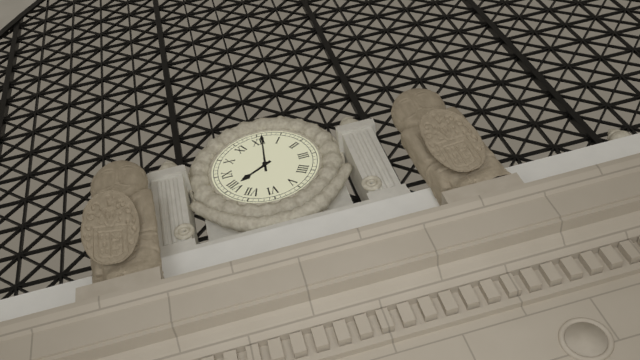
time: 8:01
